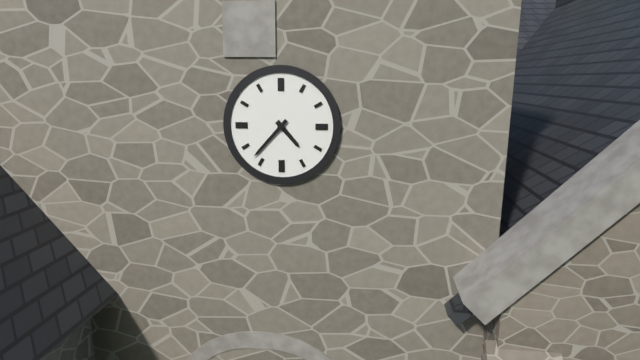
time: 4:37
